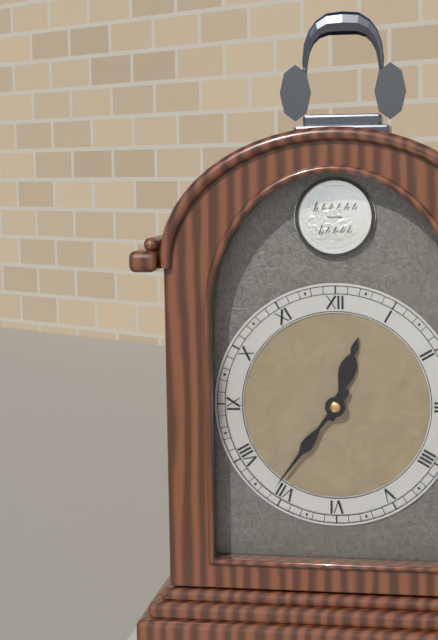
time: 12:36
